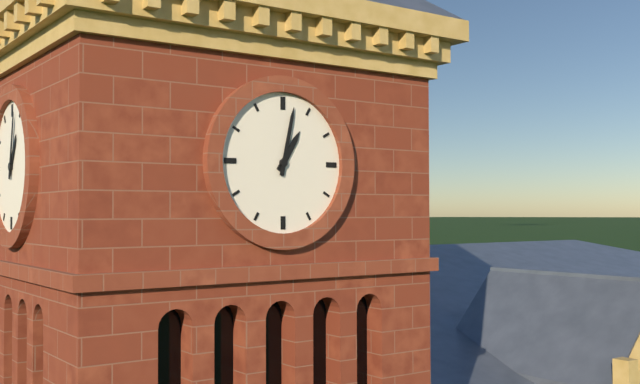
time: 1:02
